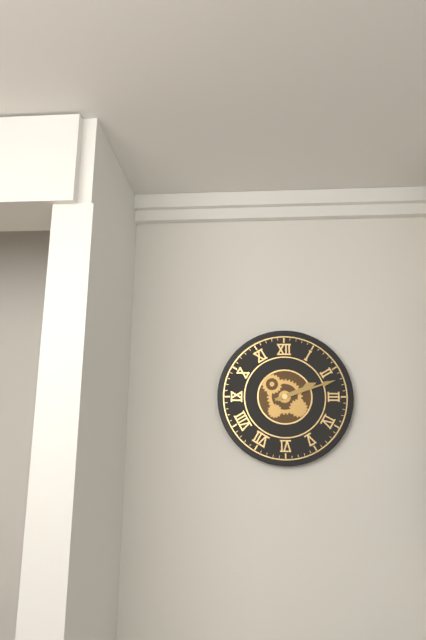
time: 2:12
